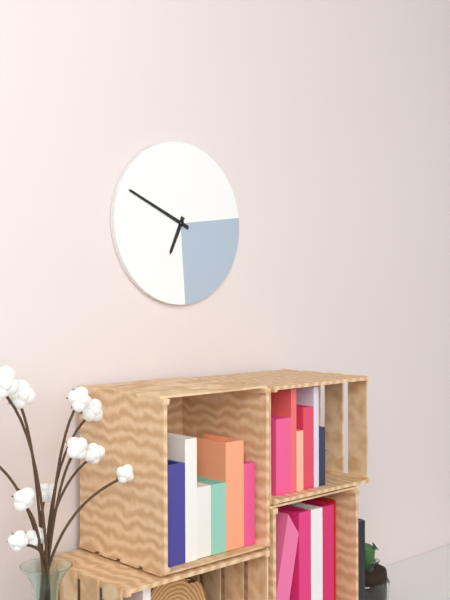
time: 6:49
